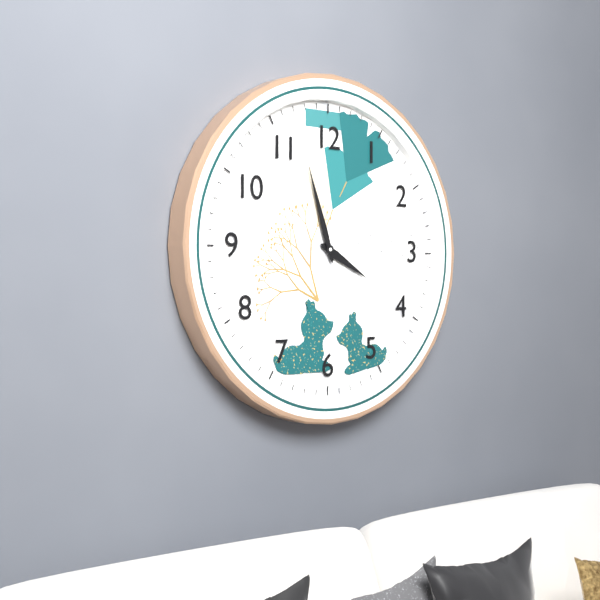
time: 3:57
